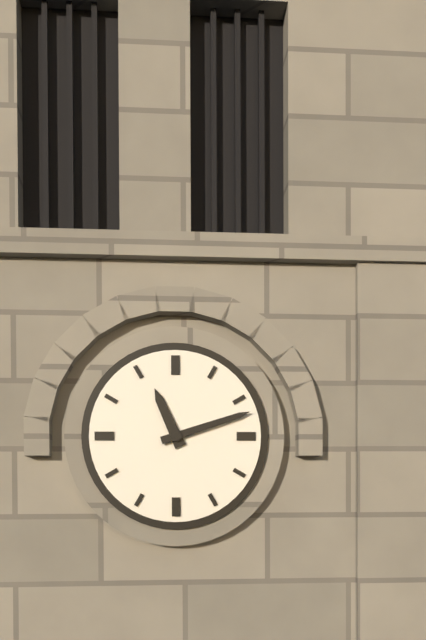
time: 11:12
